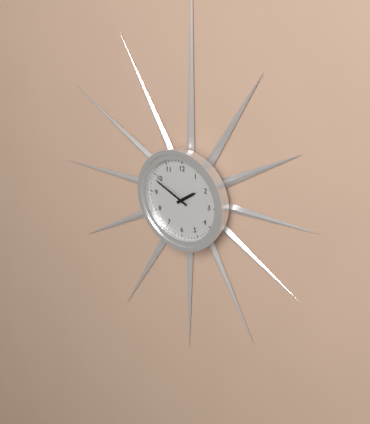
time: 1:49
